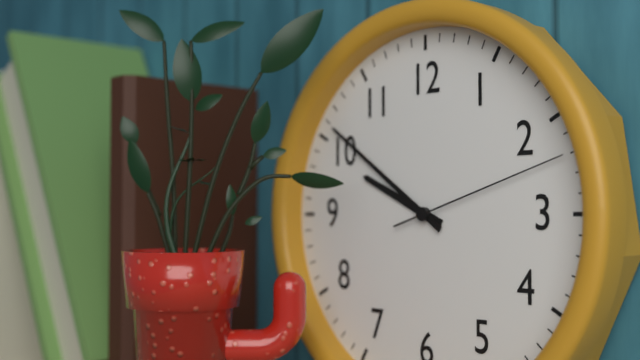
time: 9:51:12
